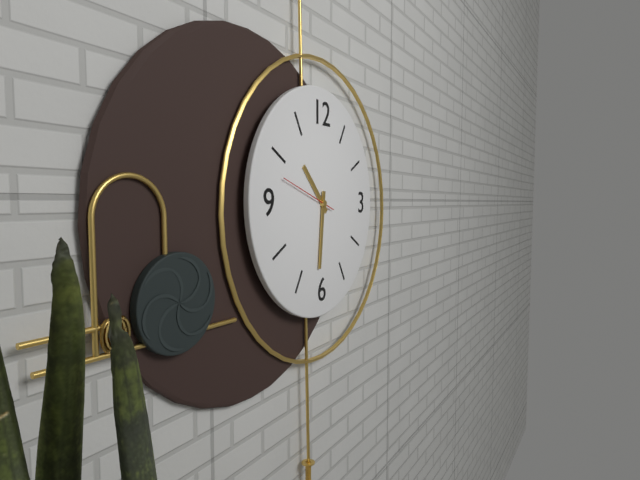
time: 10:31:48
